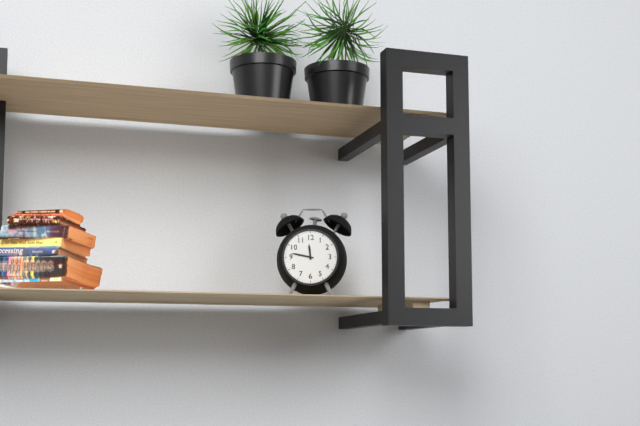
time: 11:47
